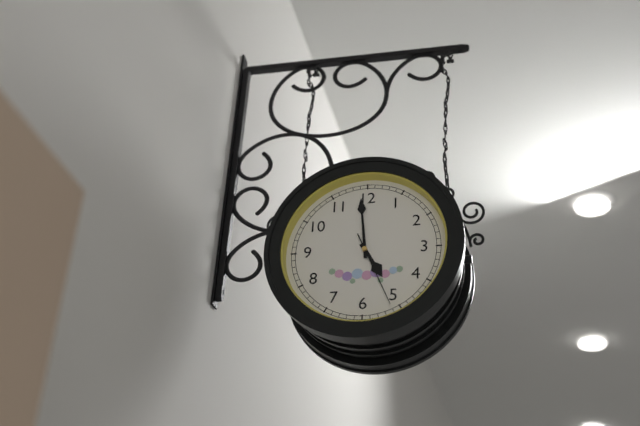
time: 4:59:26
